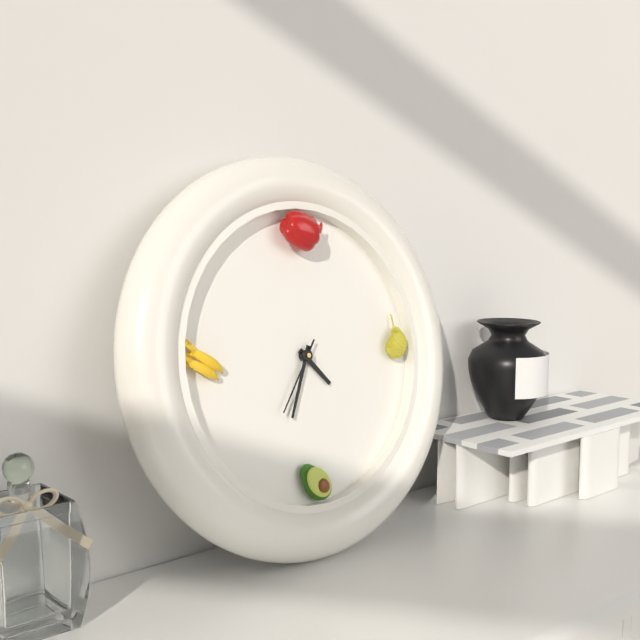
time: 4:34:36
